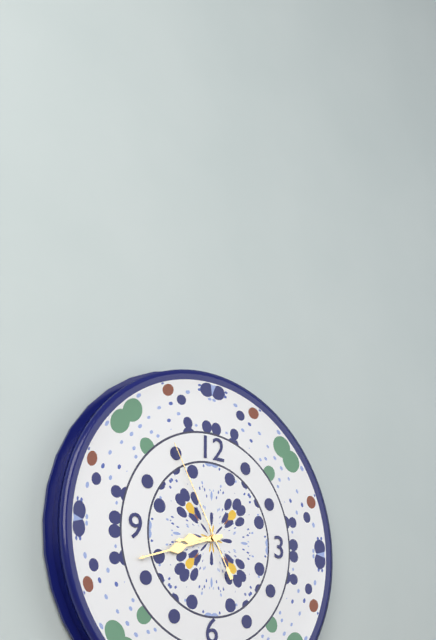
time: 8:42:55
